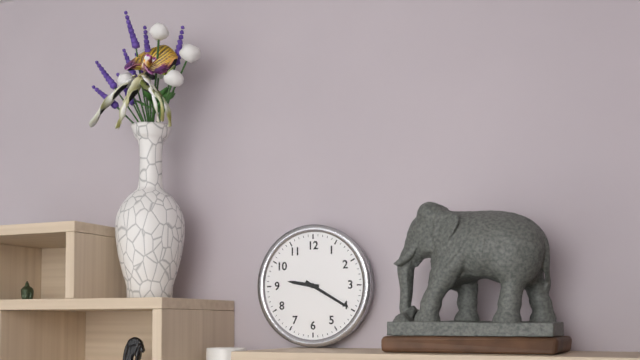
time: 9:20
